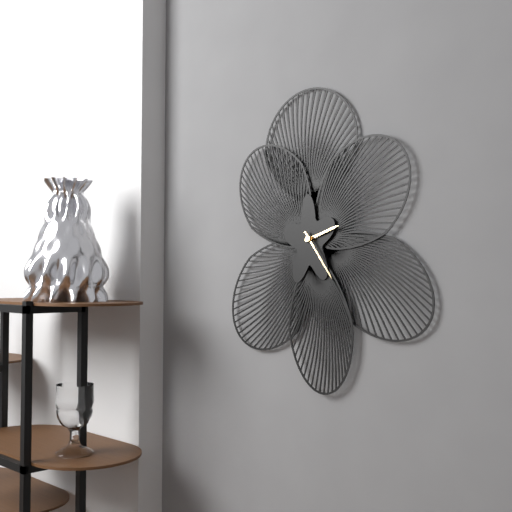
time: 2:24
